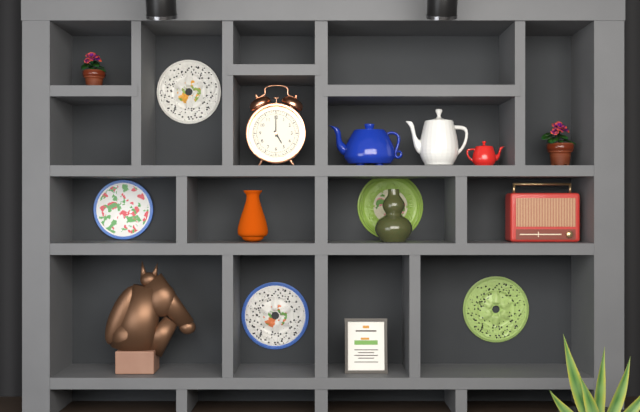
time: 5:00
